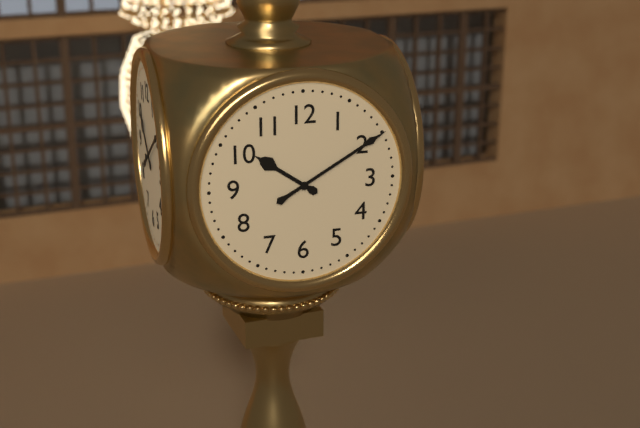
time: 10:10
